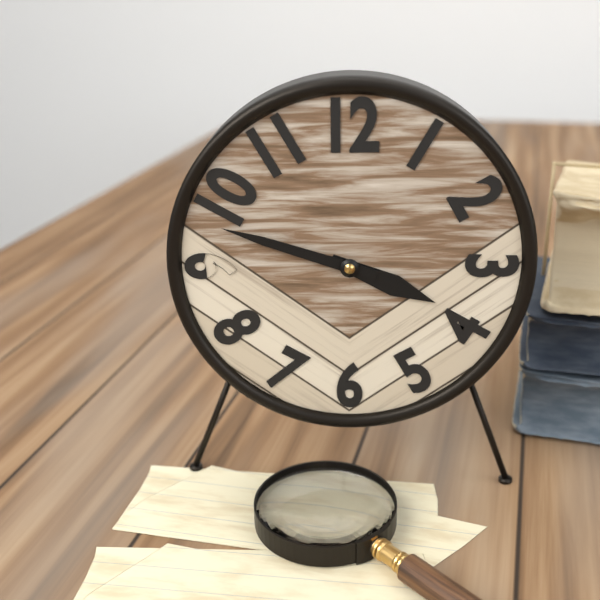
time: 3:48
